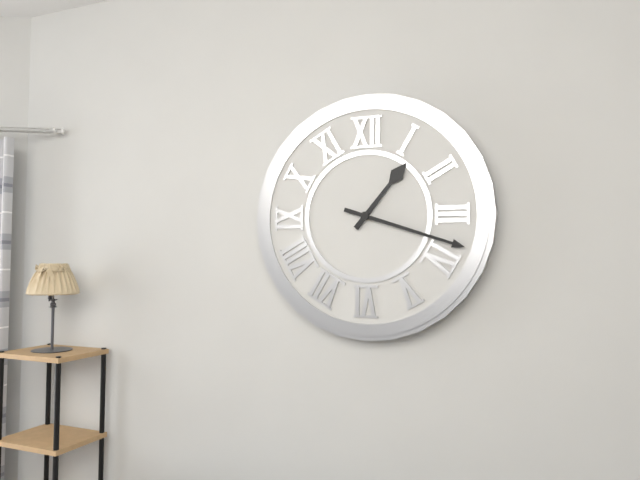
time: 1:18
